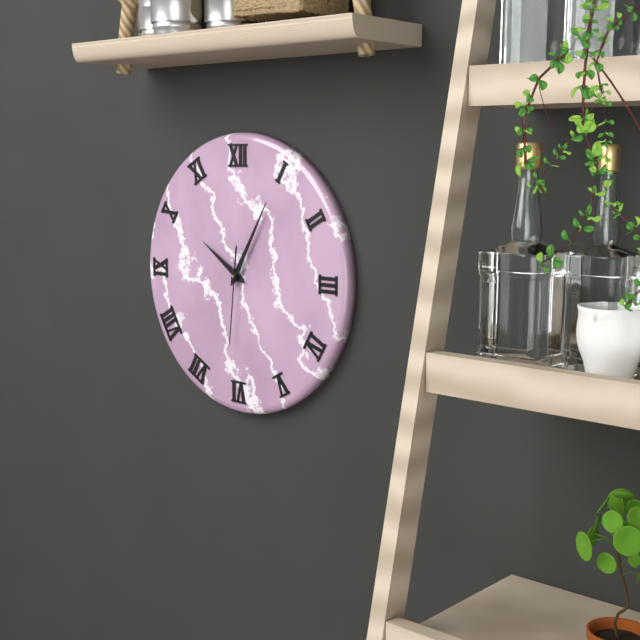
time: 10:05:31
